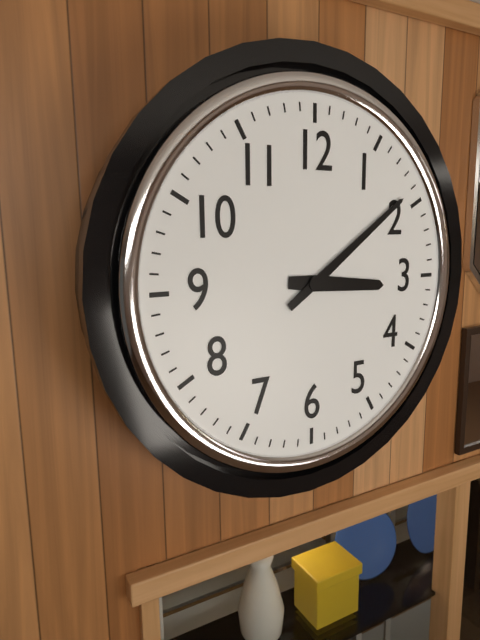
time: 3:09
